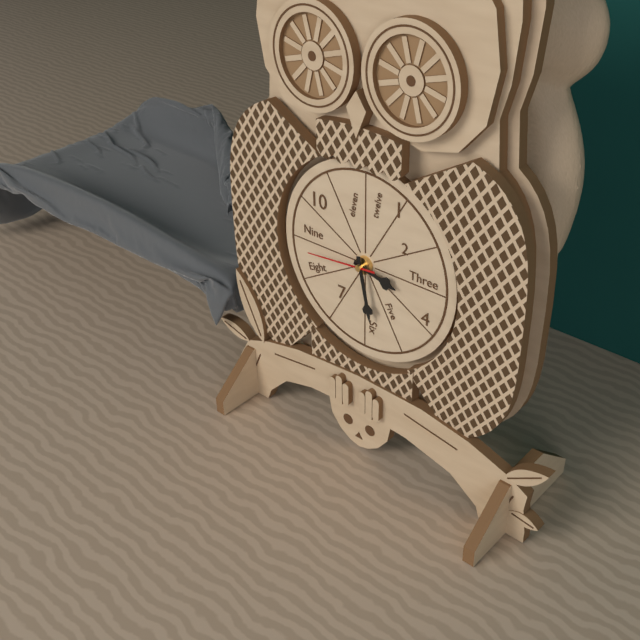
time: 3:28:44
